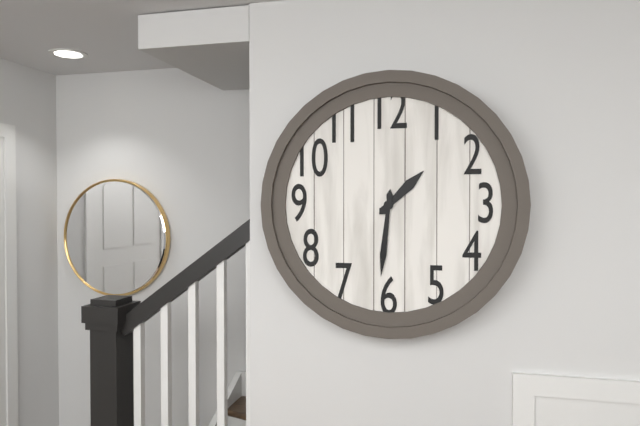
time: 1:31
